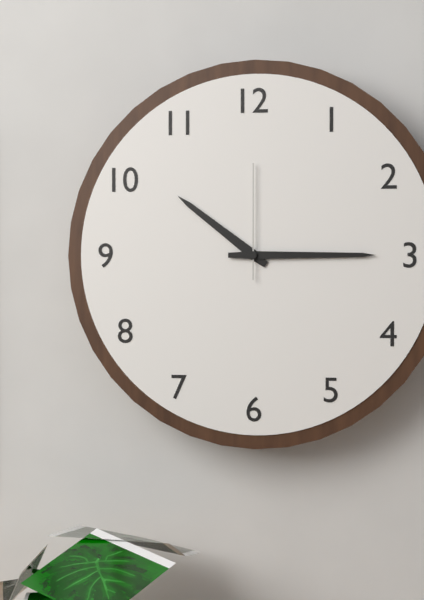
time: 10:15:00
